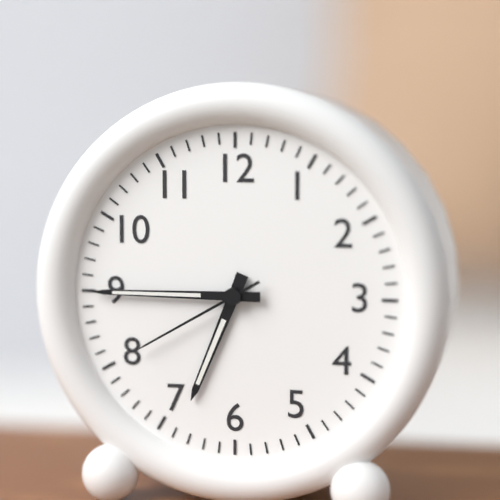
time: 6:45:40
